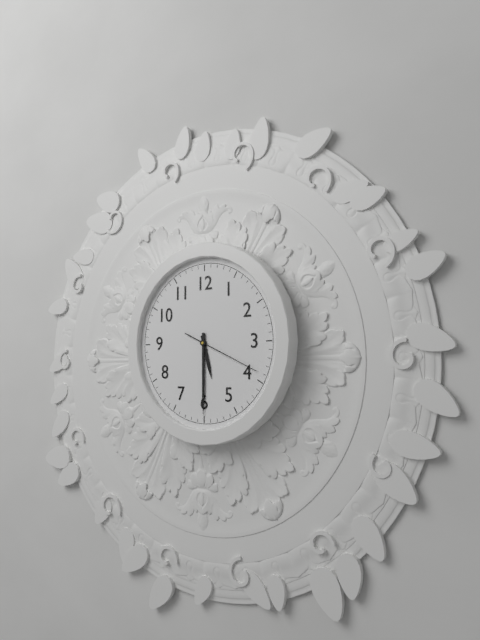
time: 5:30:19
